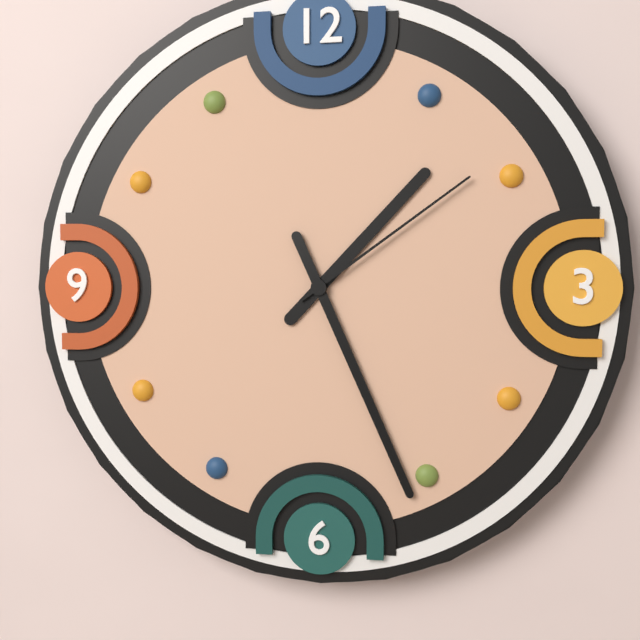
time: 1:26:09
